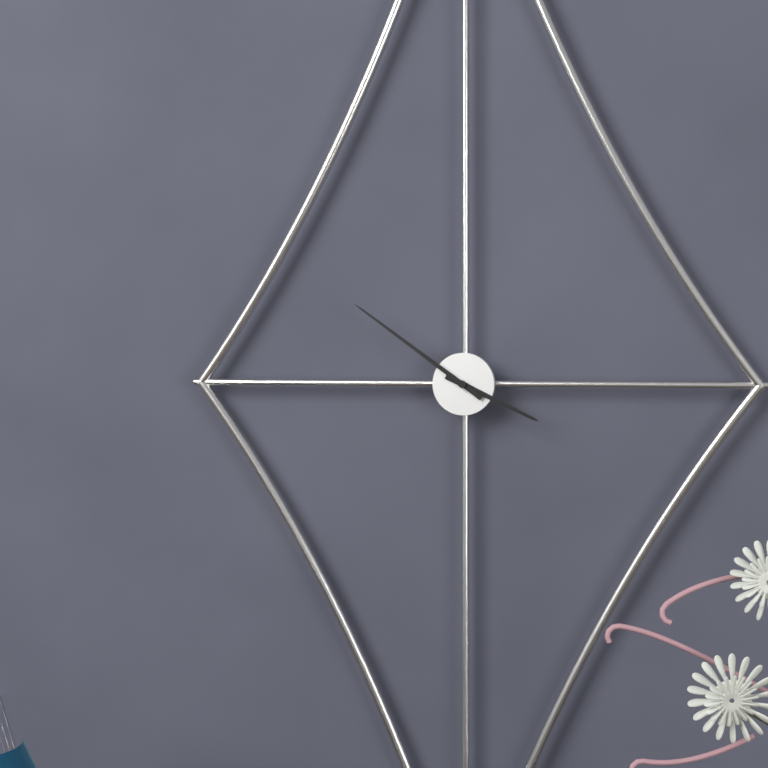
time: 3:51
